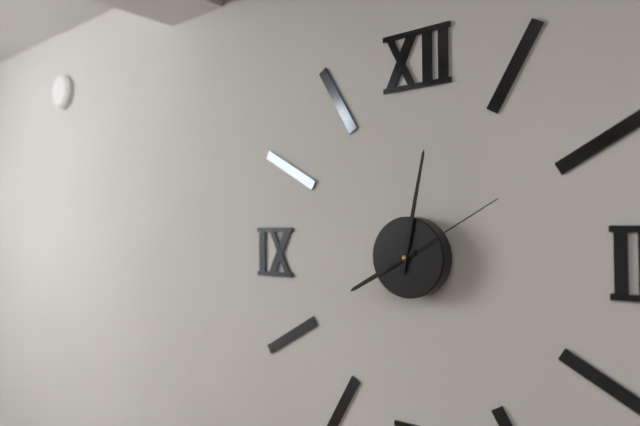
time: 8:02:10
